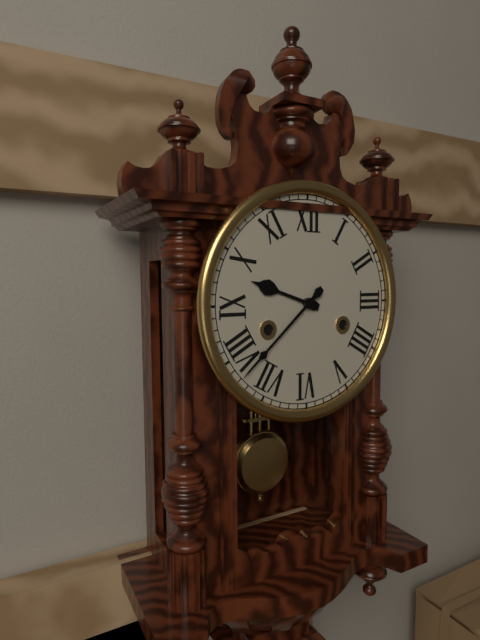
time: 9:38
